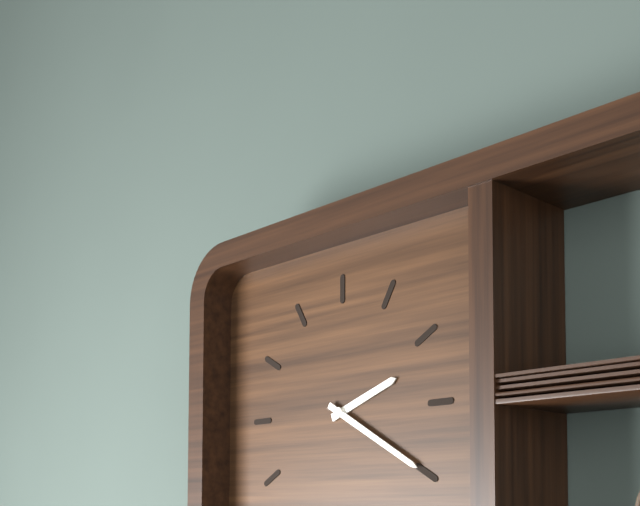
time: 2:20
